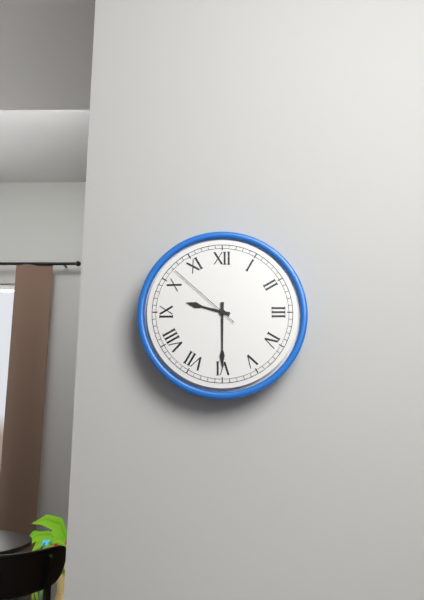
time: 9:30:52
